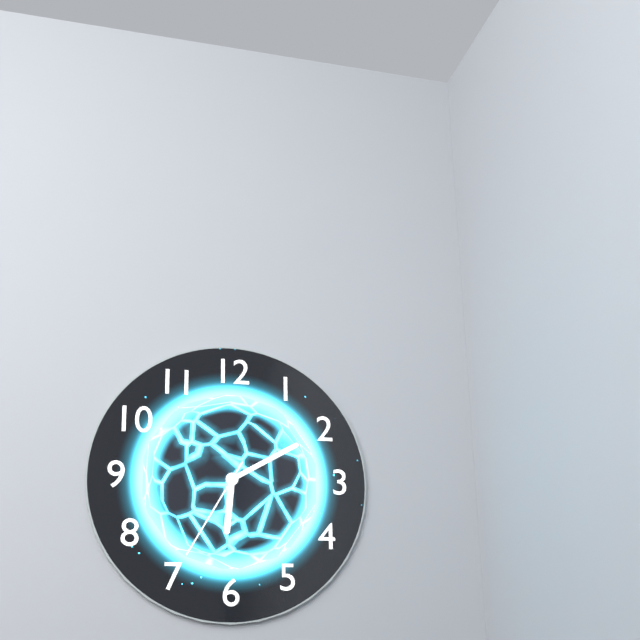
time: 6:10:35
